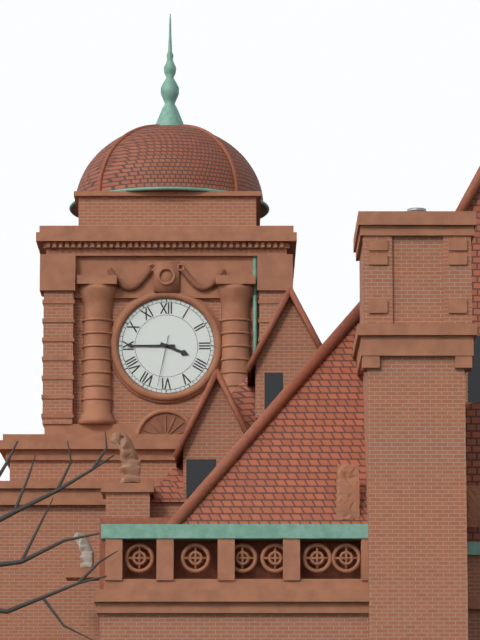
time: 3:45:32
